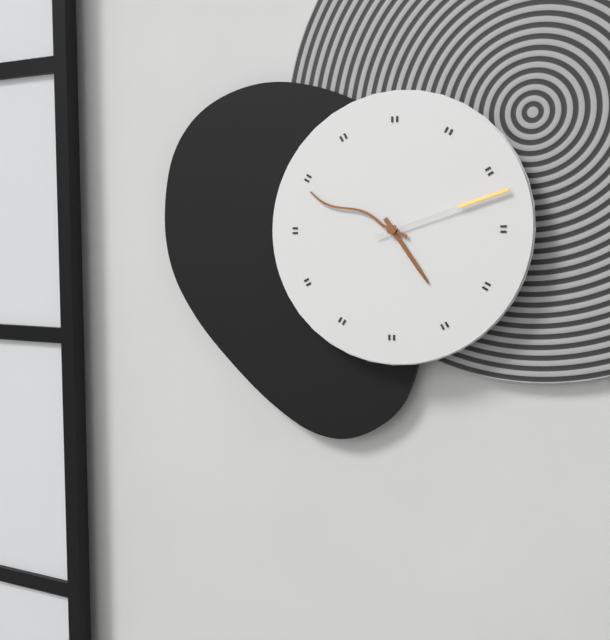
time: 4:49:12
